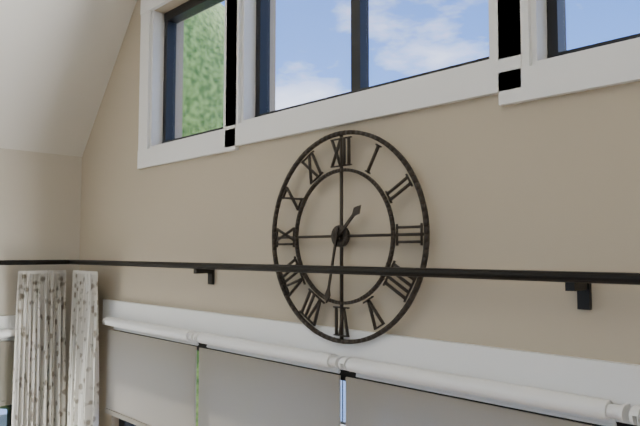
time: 1:32
